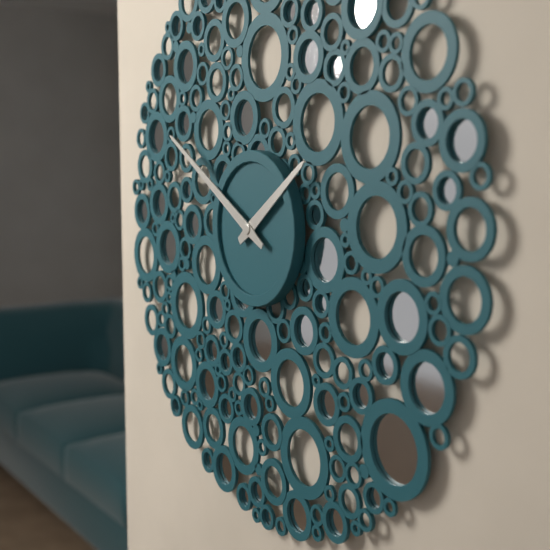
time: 1:50
